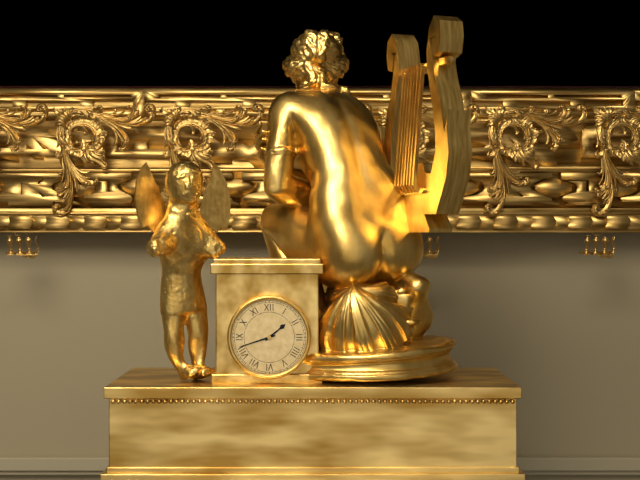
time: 1:42
